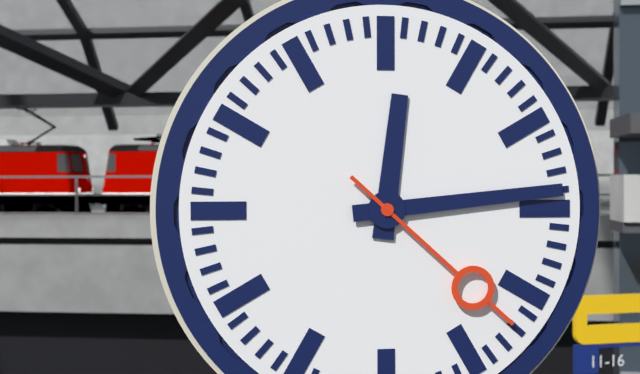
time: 12:14:22
